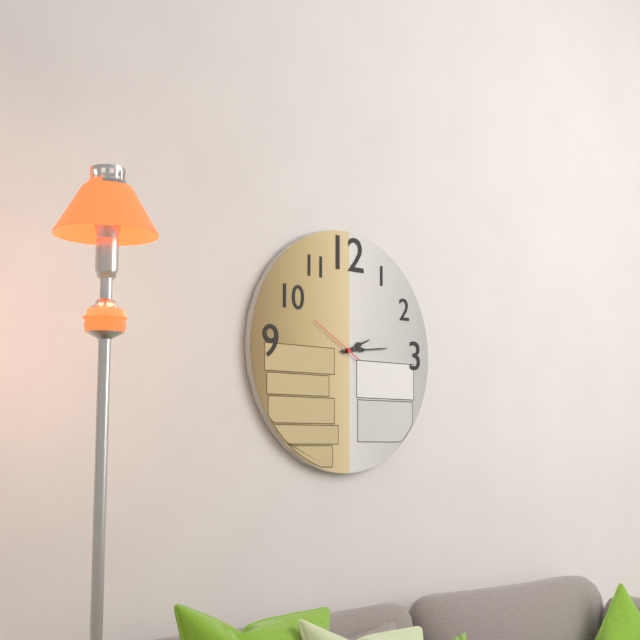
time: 2:14:50
